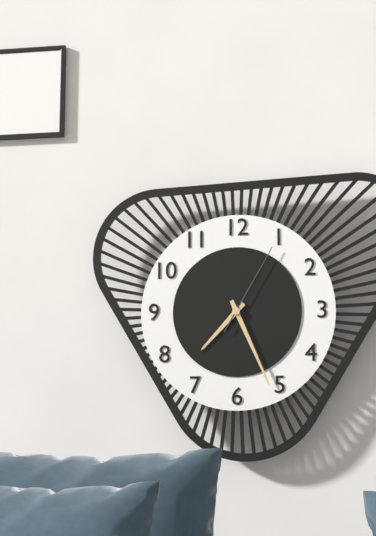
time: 7:26:05
